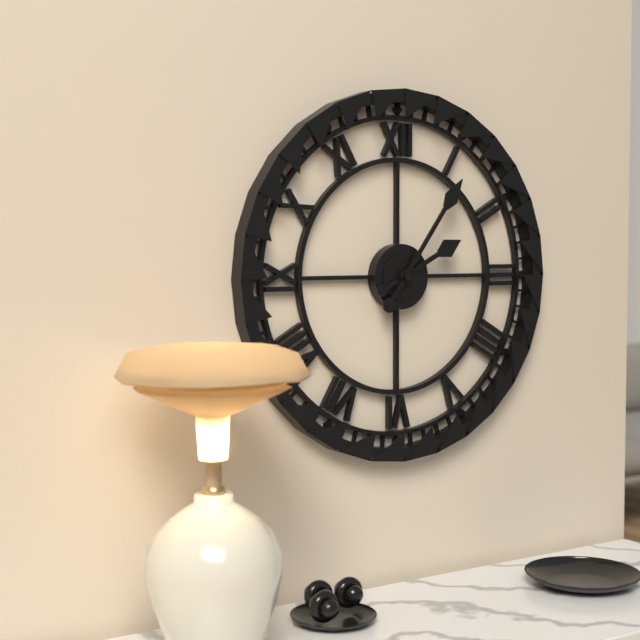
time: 2:06
